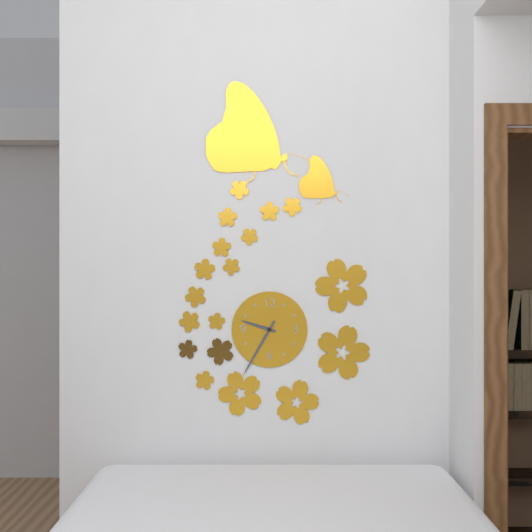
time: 9:35
